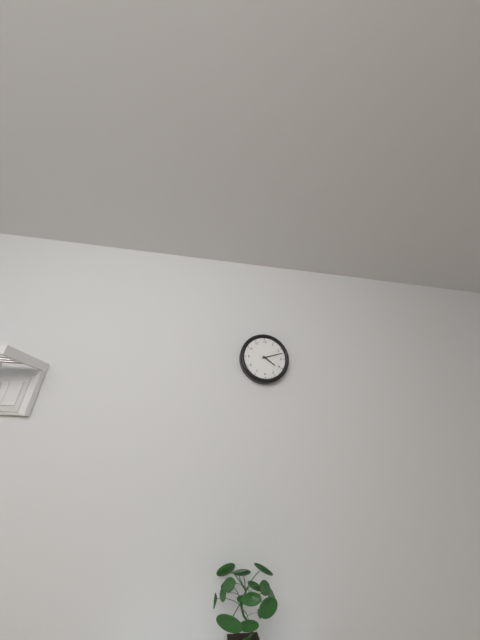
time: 4:12
